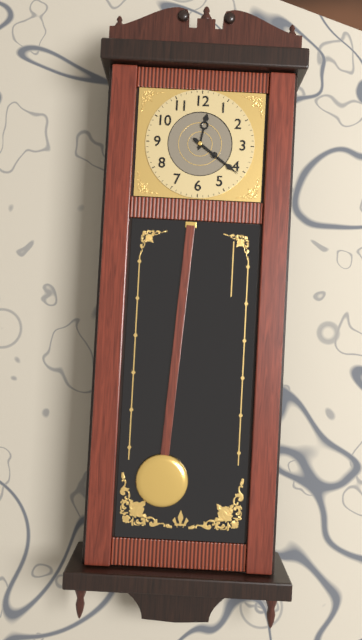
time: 12:21
